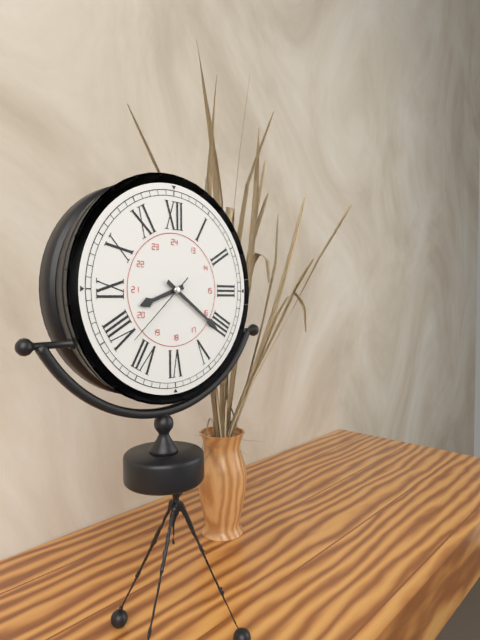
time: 8:21:38
